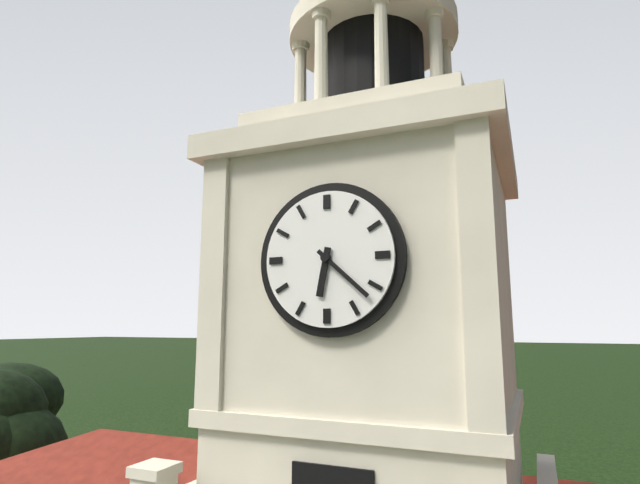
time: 6:22
